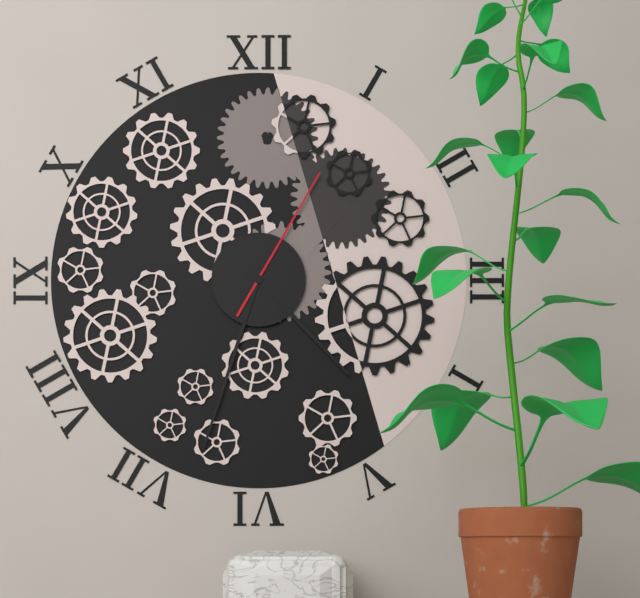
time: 4:33:05
